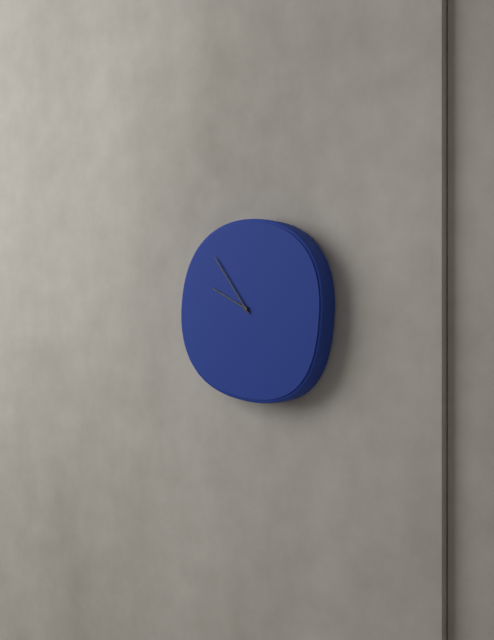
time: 9:54
